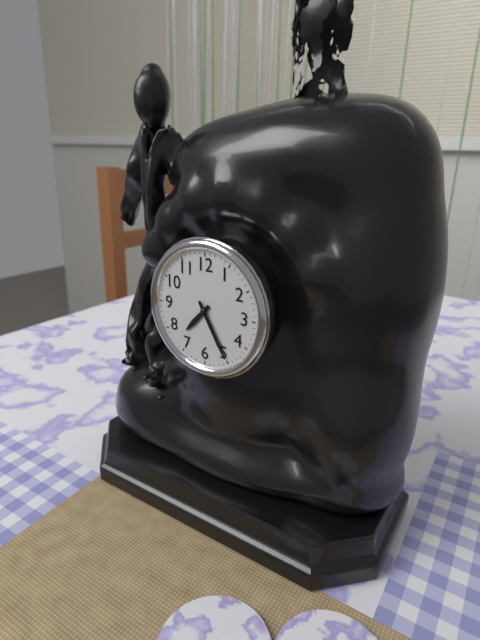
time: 7:25
